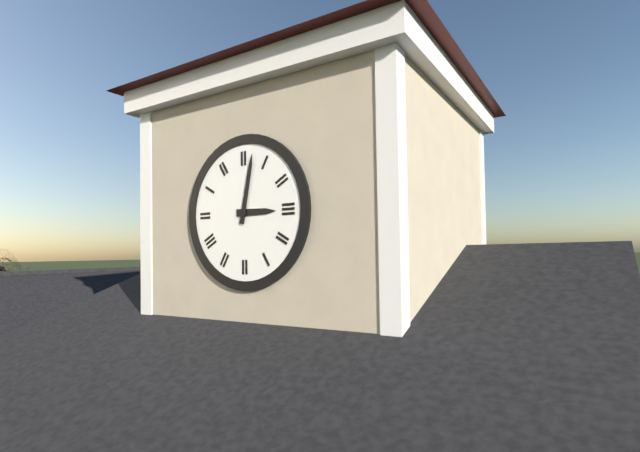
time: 3:02
